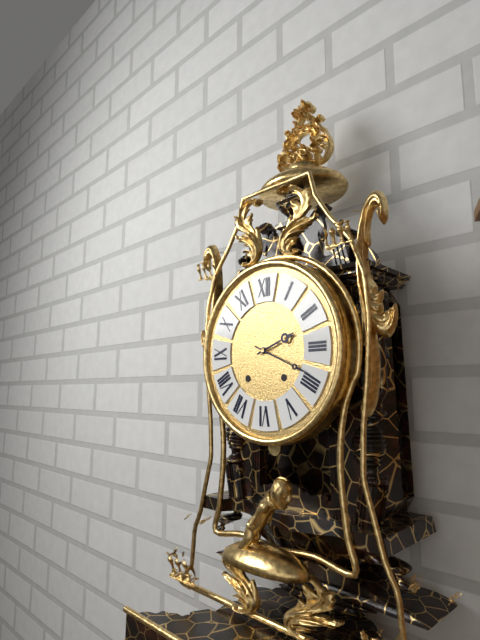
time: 2:19
